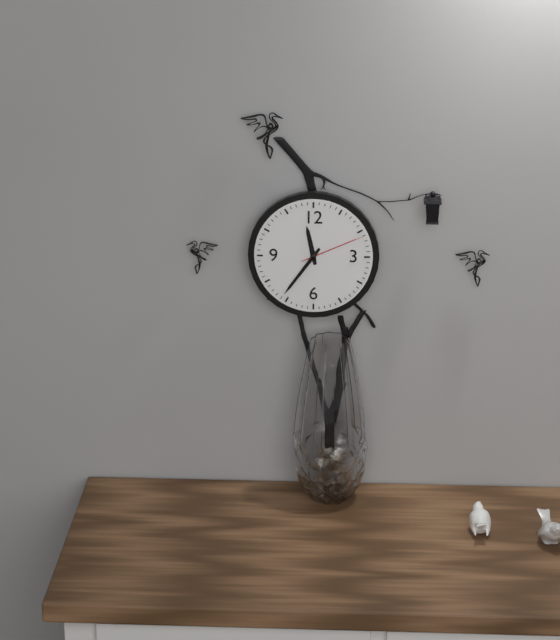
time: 11:36:11
